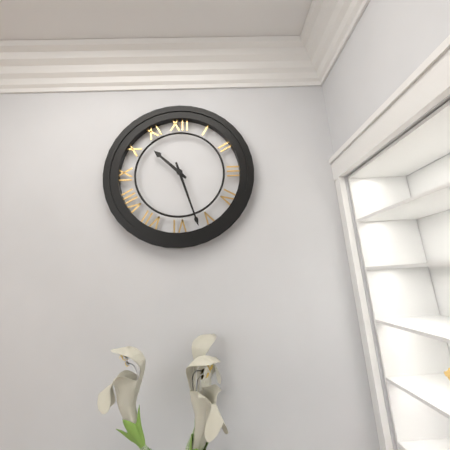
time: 10:27
